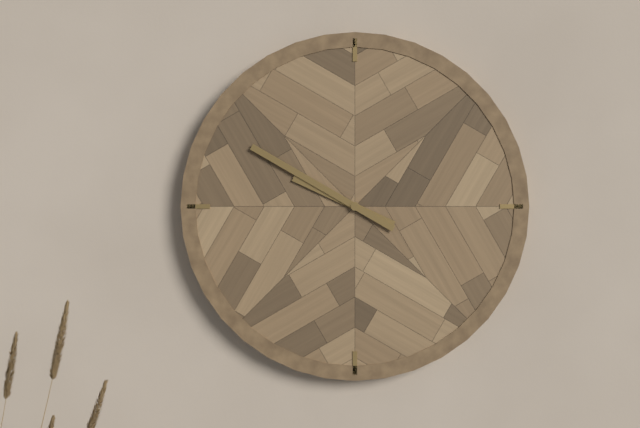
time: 9:50
